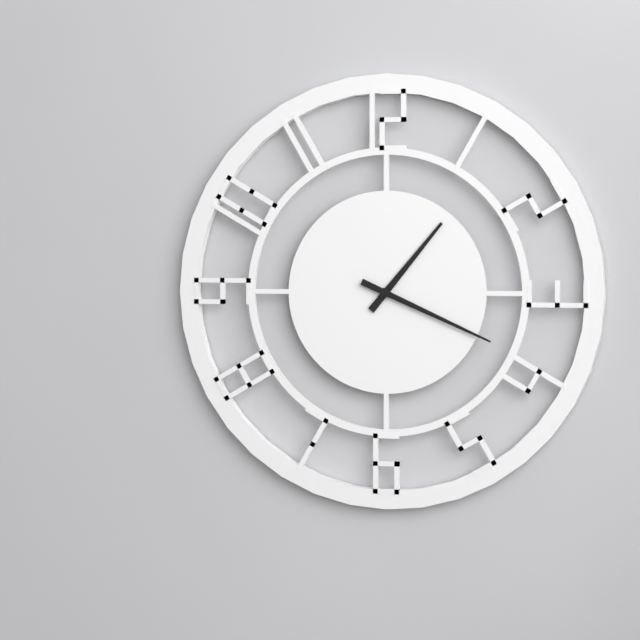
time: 1:19
